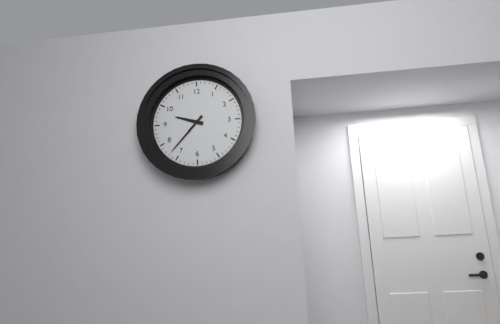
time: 9:37
